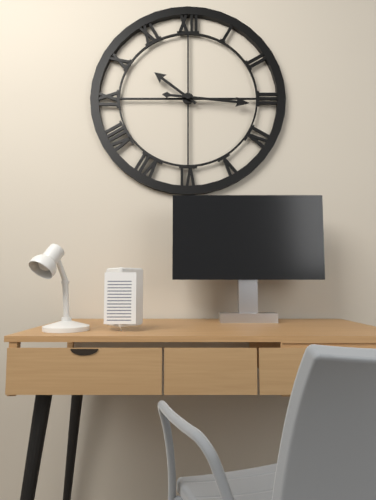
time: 10:16
